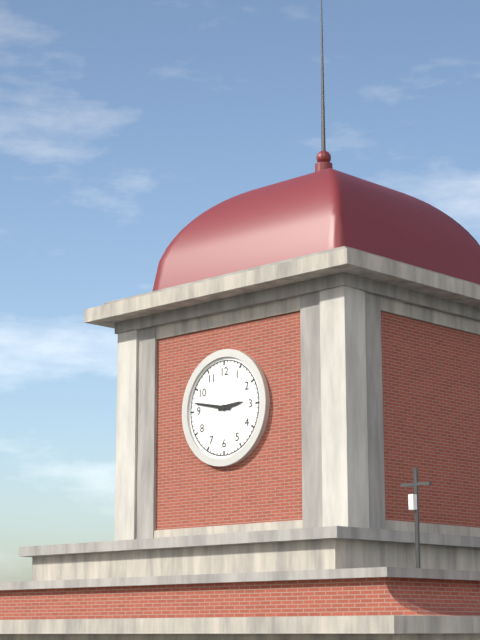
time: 2:47
